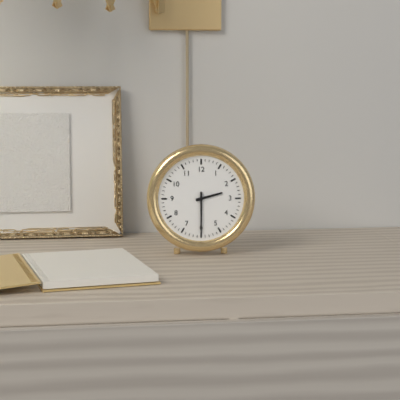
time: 2:30
